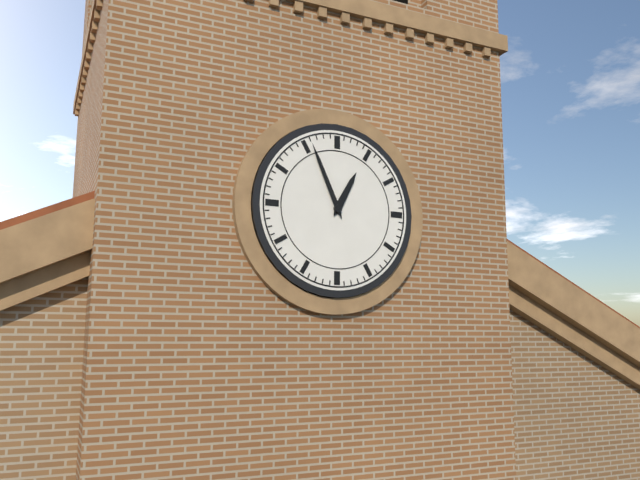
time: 12:56
